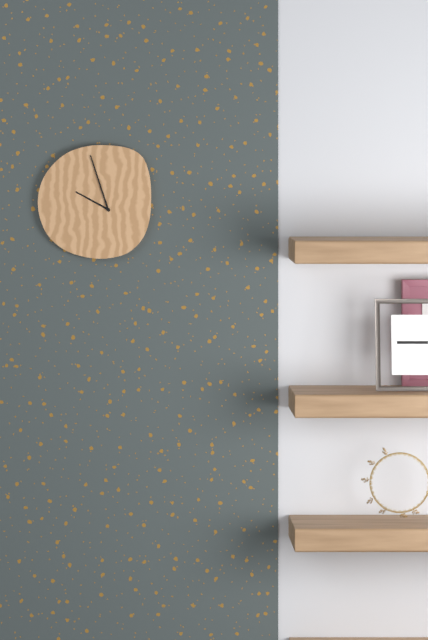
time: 9:57
